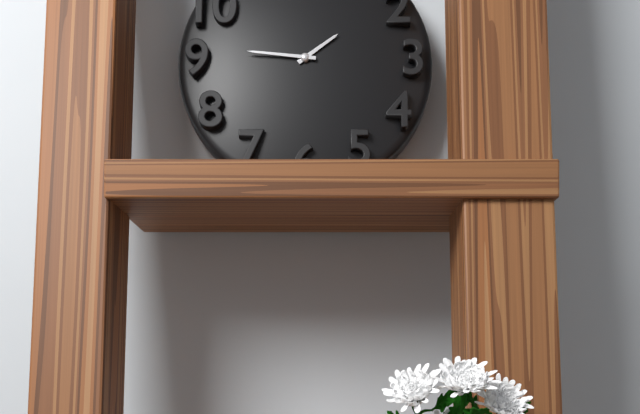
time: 1:46
